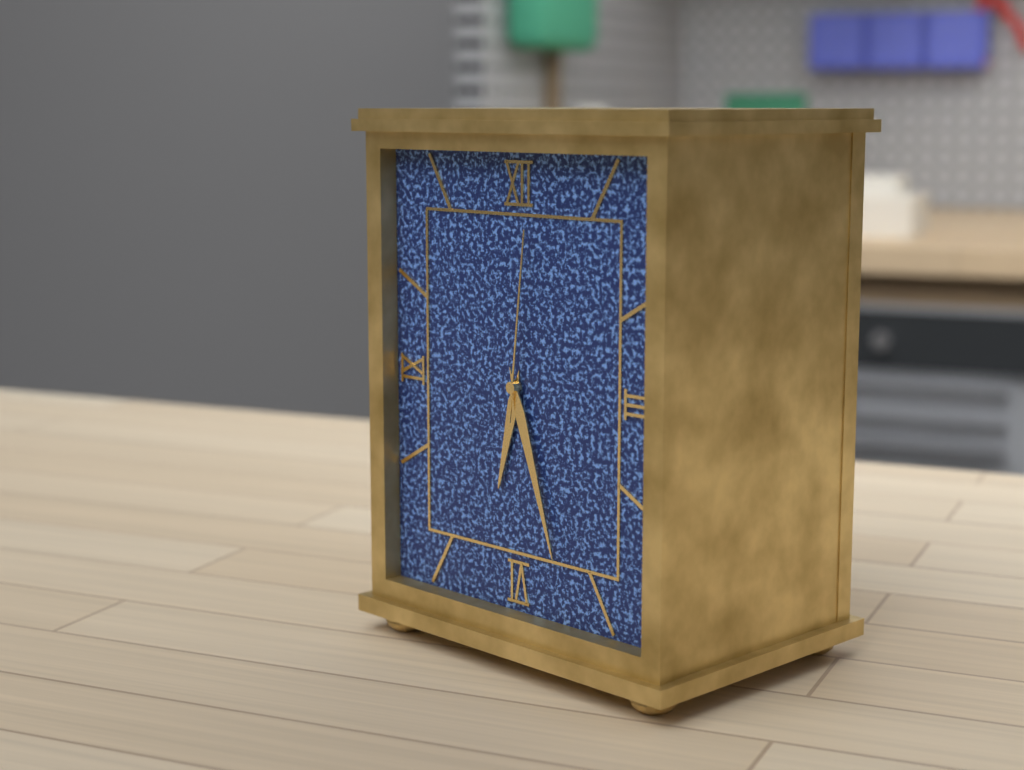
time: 6:27:01
